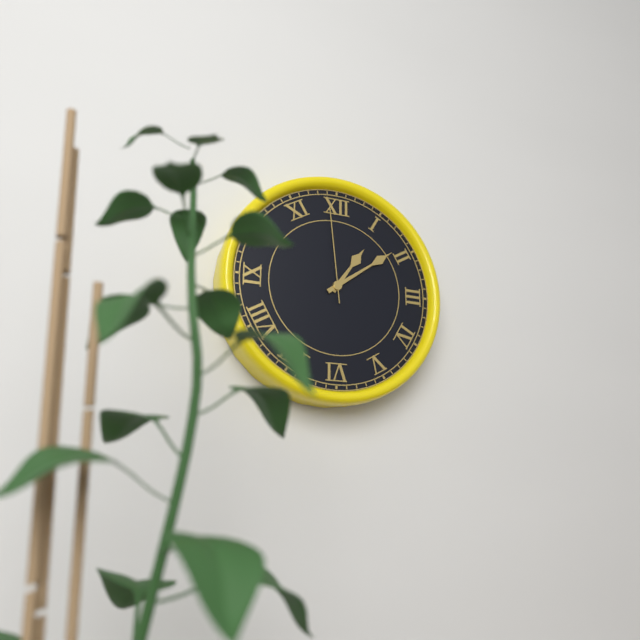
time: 1:09:59
